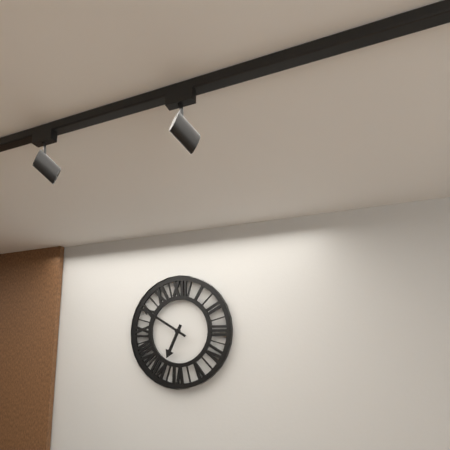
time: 6:50
